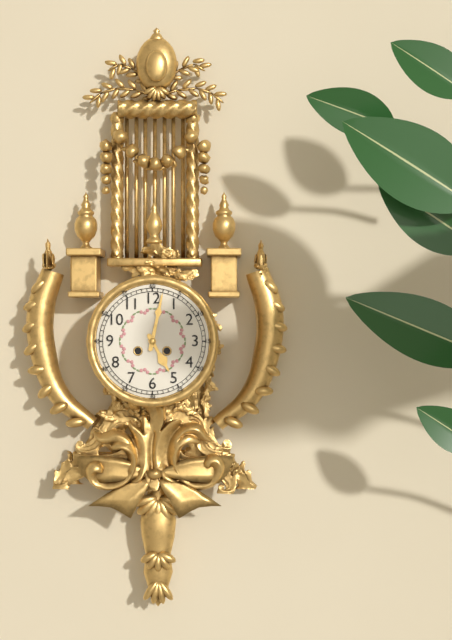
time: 5:02
